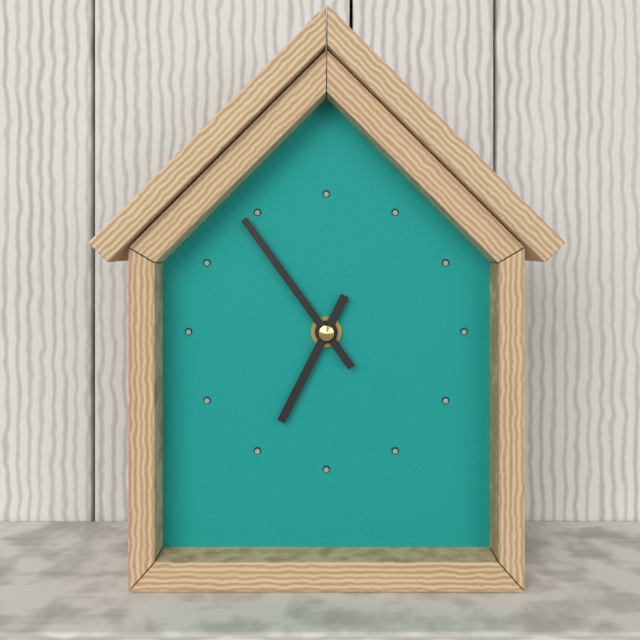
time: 6:54
